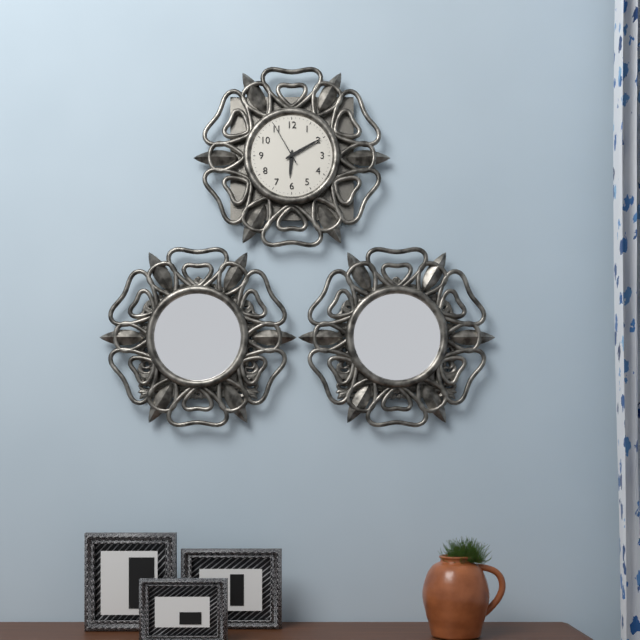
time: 6:10
